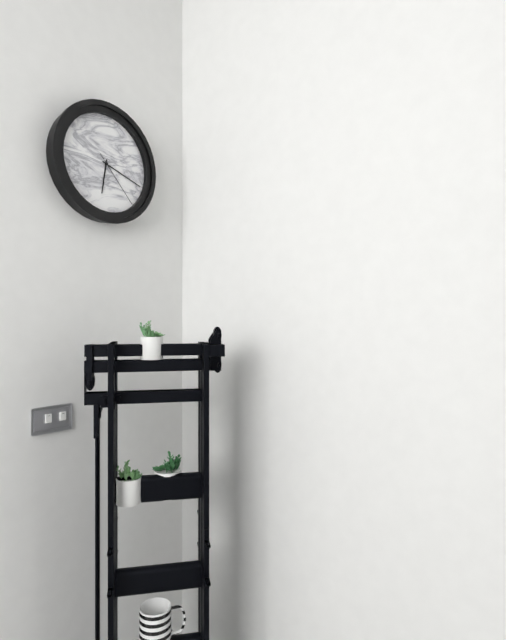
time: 6:18:23
